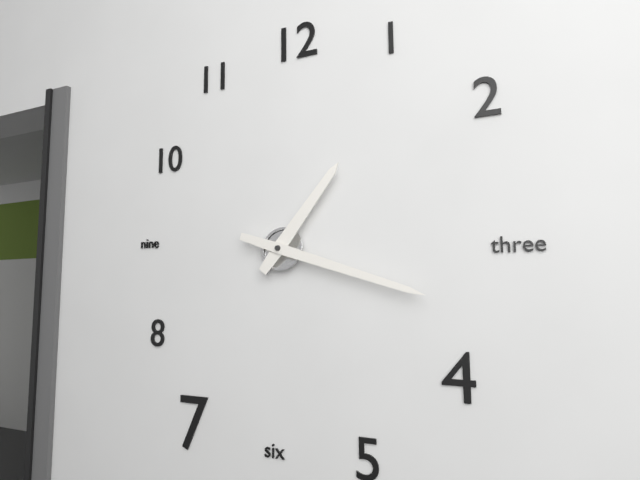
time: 1:18
